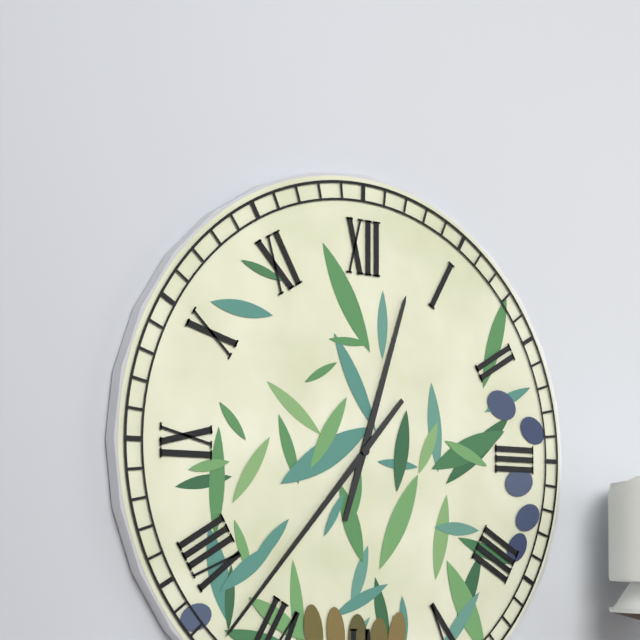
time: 12:37
